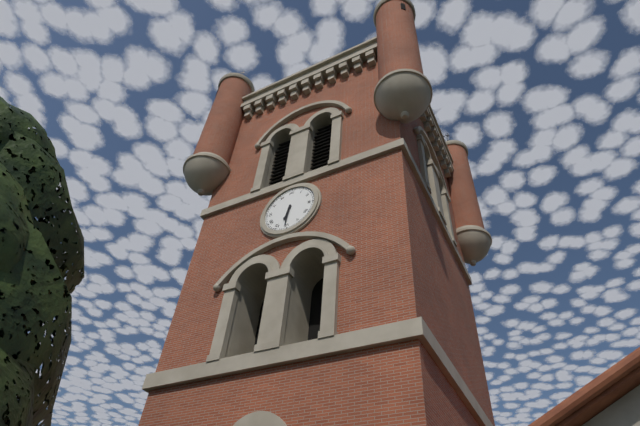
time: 6:31
